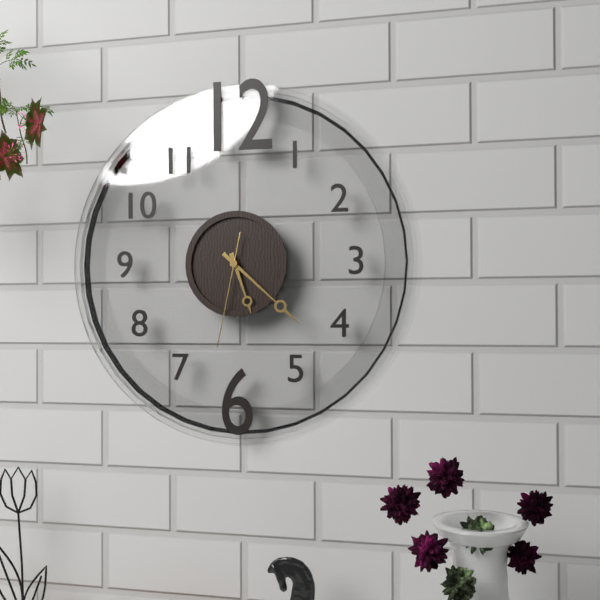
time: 5:22:32
